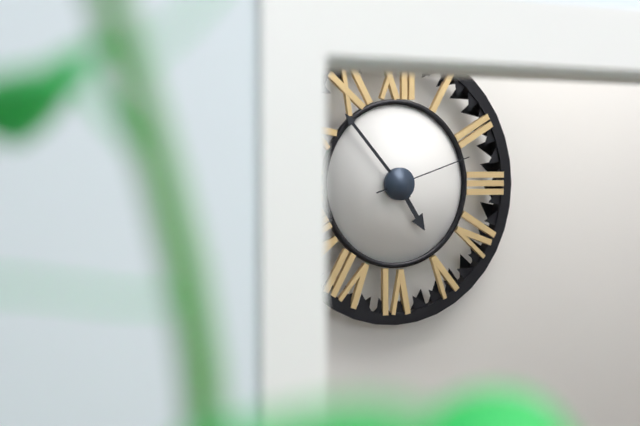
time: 4:53:12
